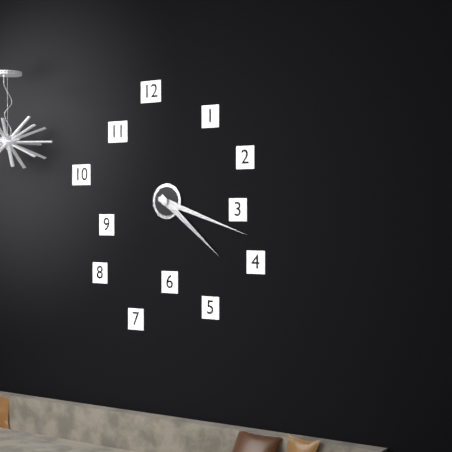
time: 4:18
